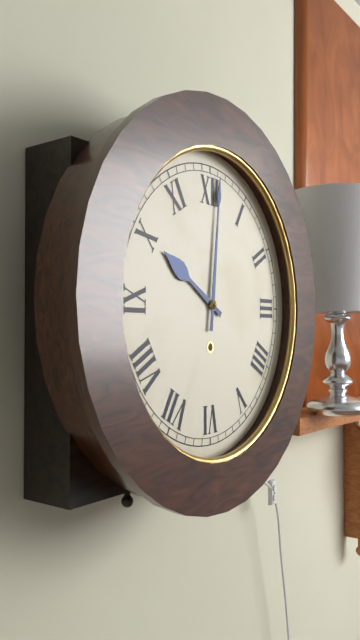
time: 10:01
